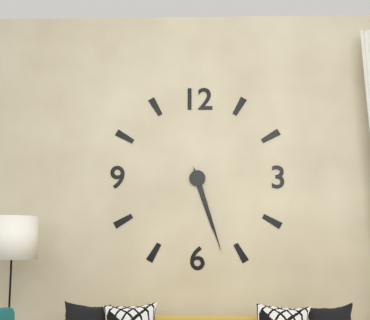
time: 5:27
